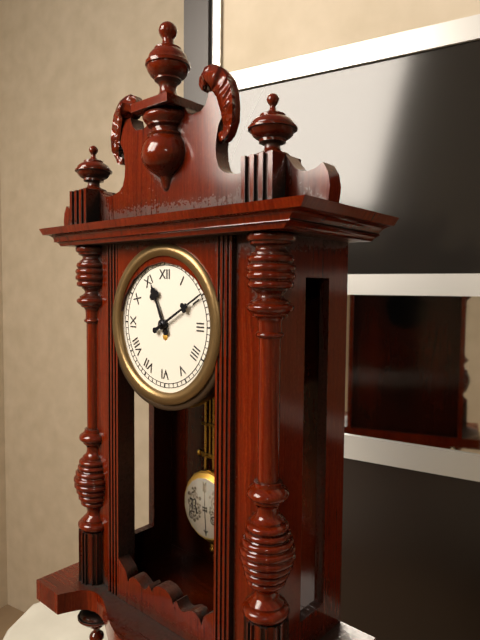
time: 11:10
